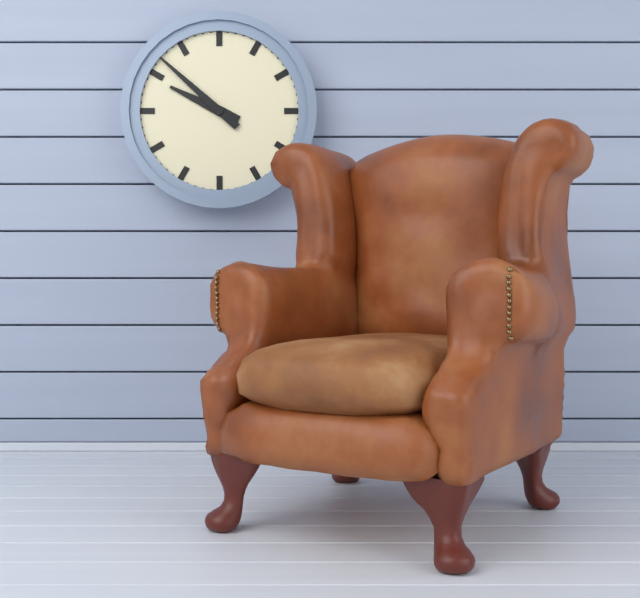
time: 9:52
